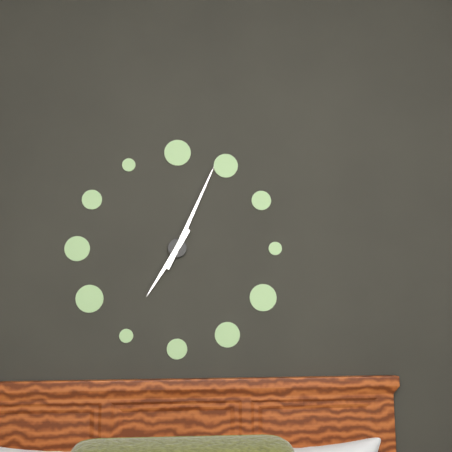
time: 7:04
